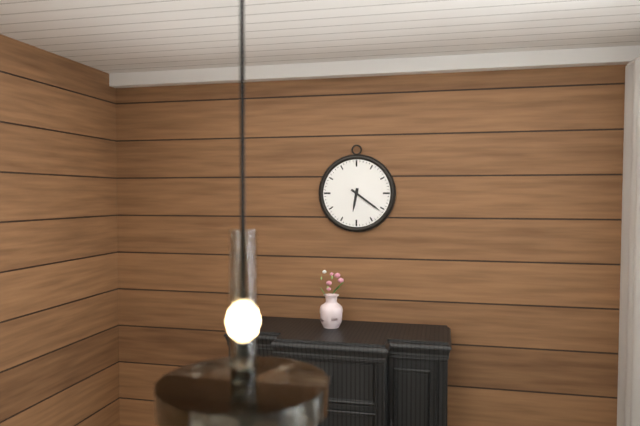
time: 6:21
